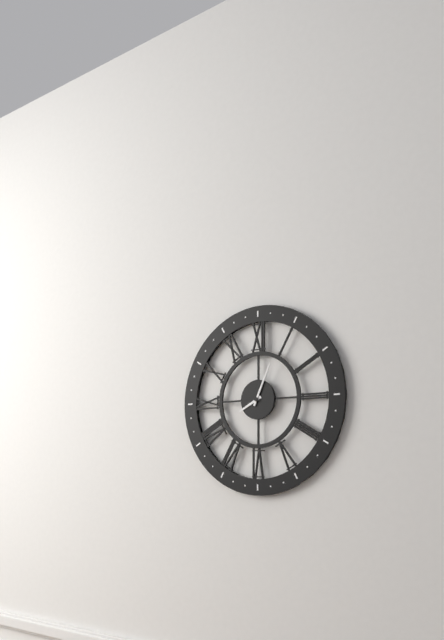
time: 8:04
